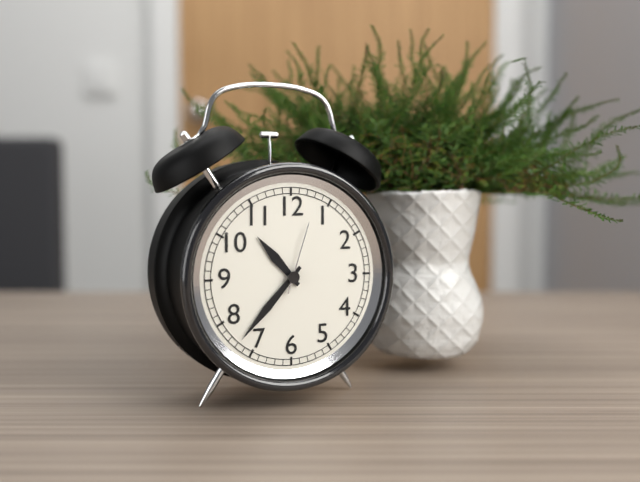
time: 10:37:03
